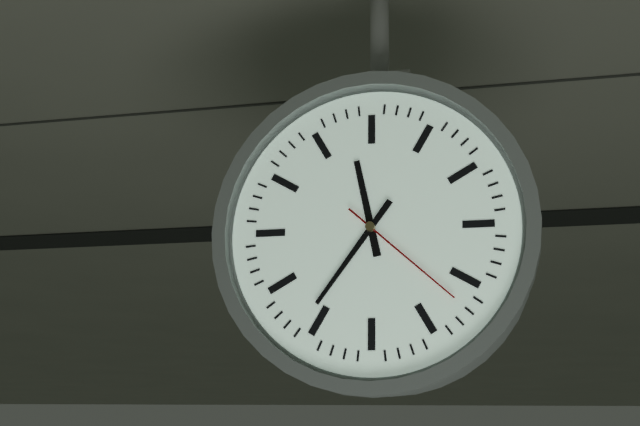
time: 11:36:22
